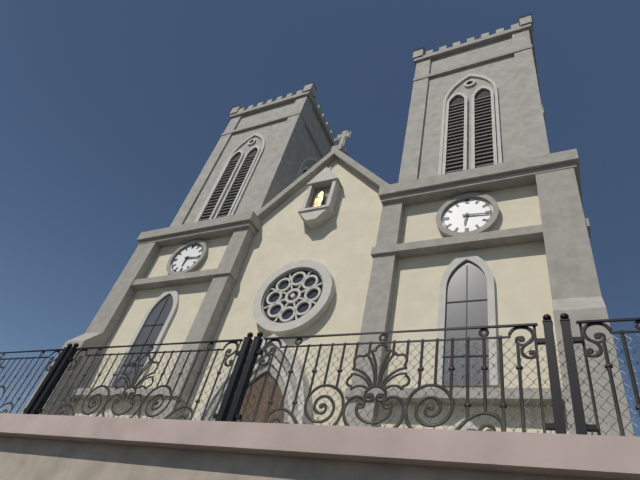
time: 6:16
